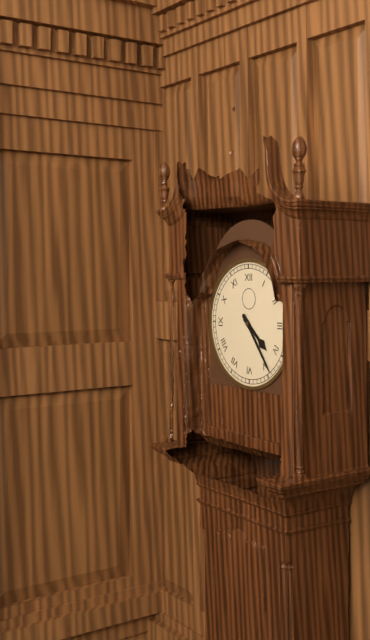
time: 4:24
